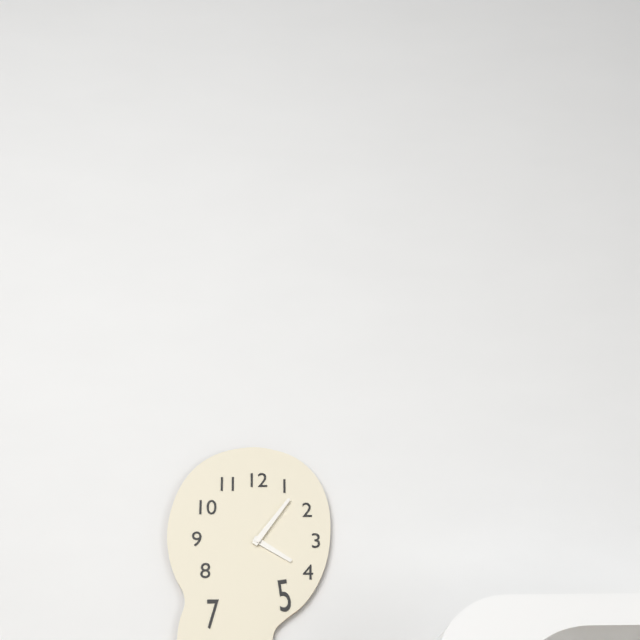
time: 4:06
